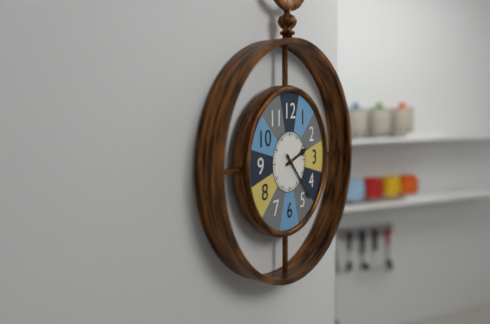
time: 2:23
